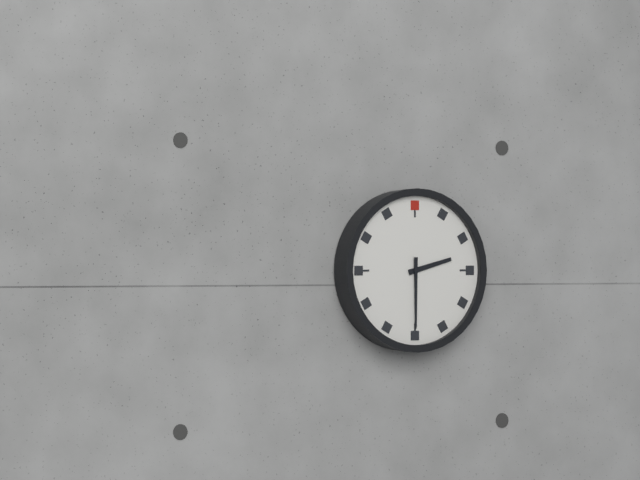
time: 2:30
